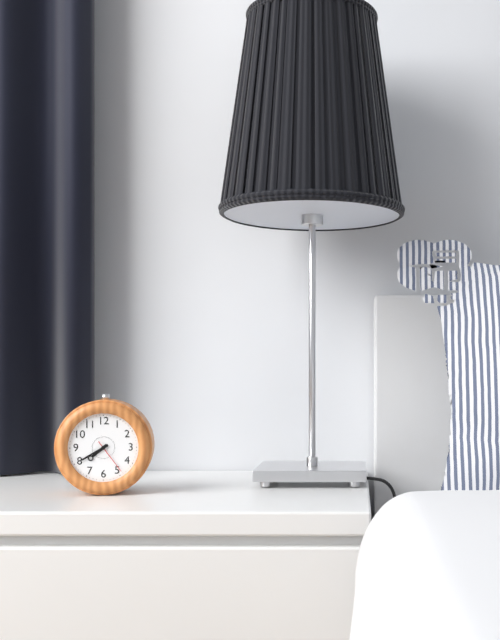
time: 7:40
